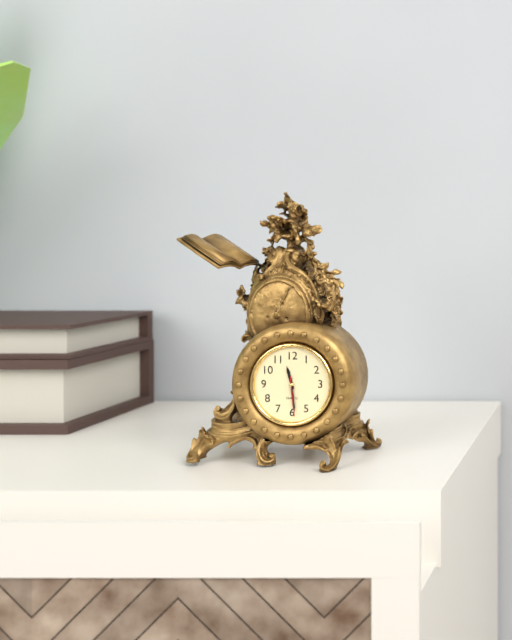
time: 11:29
